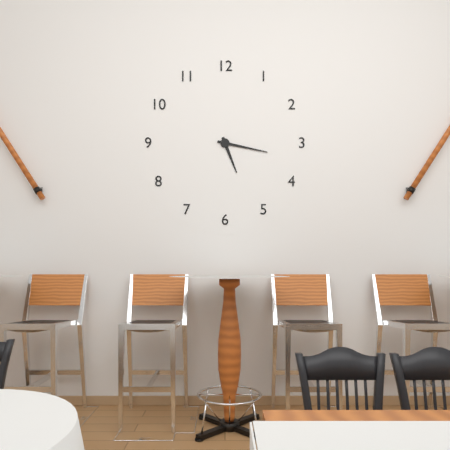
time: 5:17
